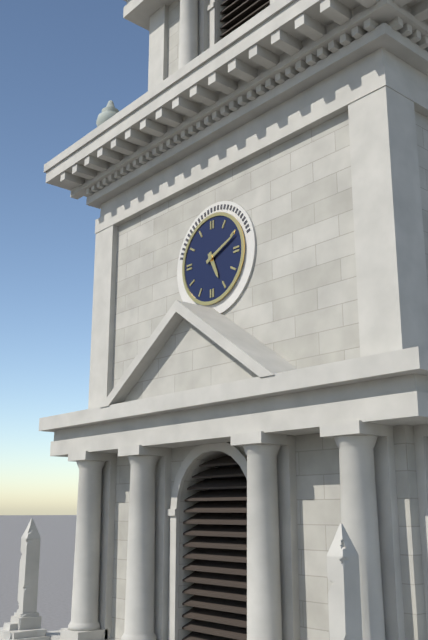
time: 5:11
